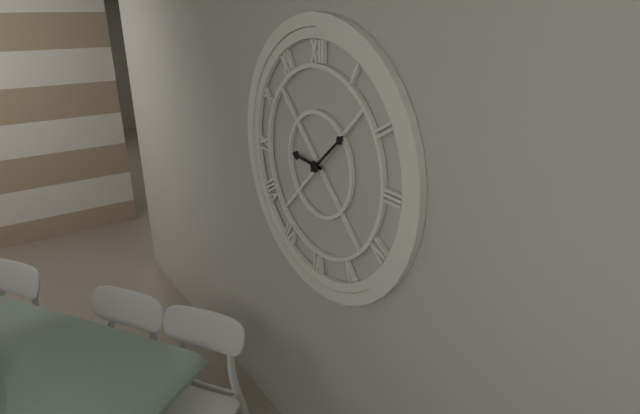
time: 9:08
